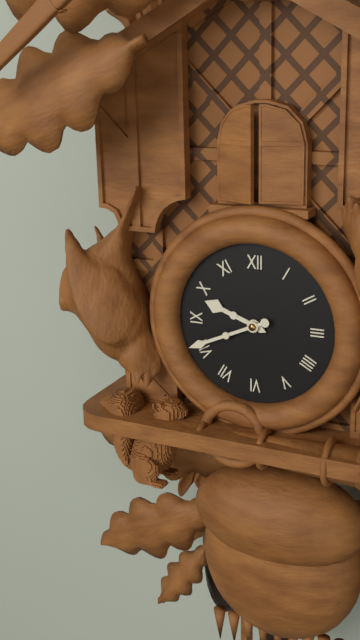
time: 9:41
